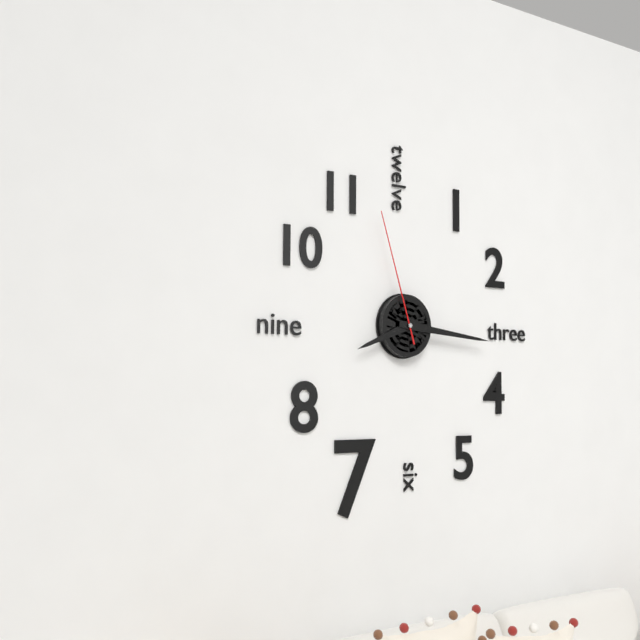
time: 8:16:57
